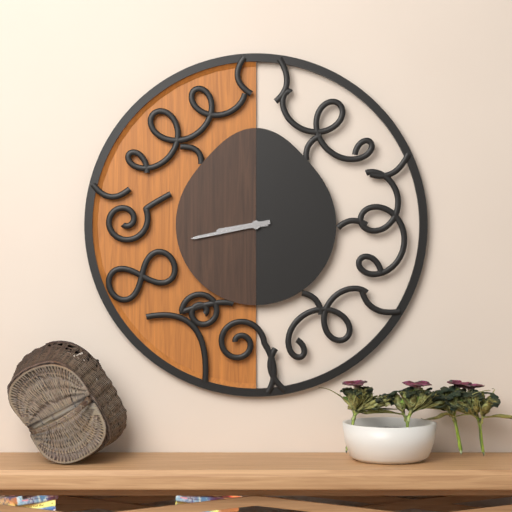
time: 8:43
